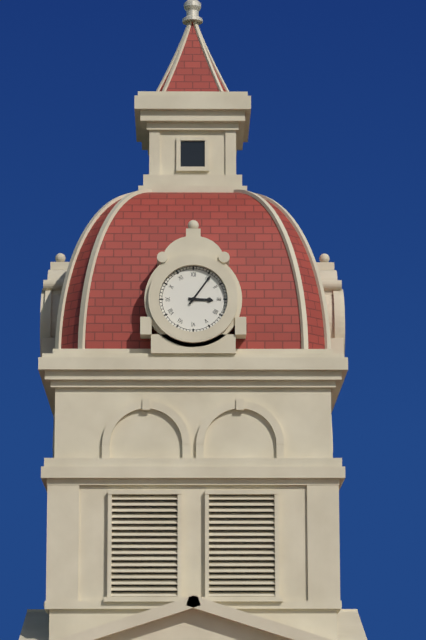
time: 3:06
